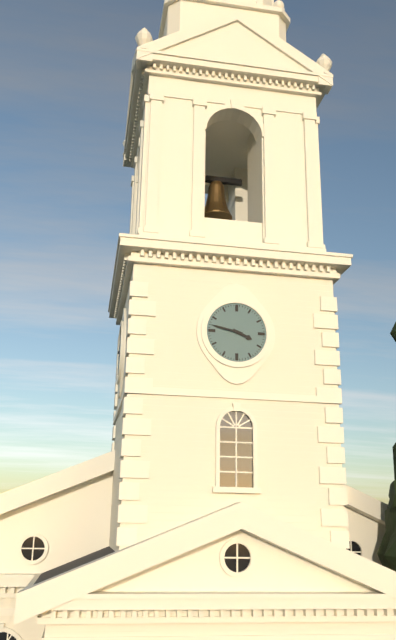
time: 3:47
